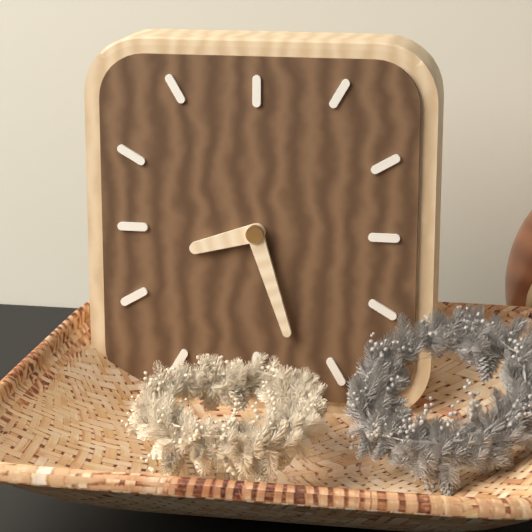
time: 8:27
